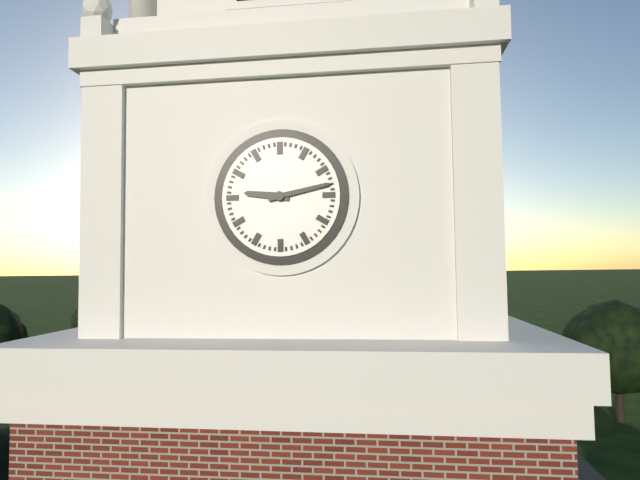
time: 9:13
